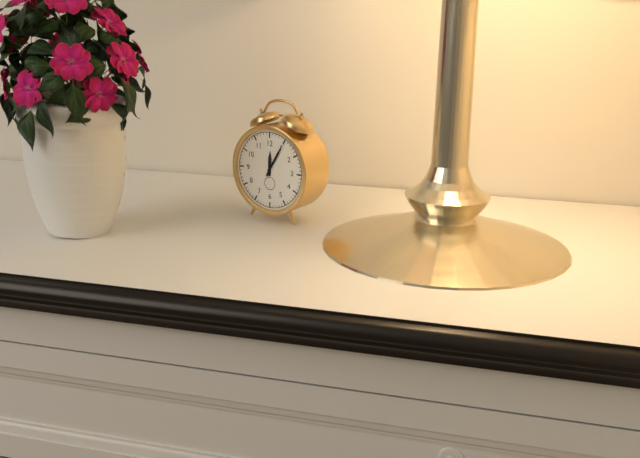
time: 12:05
